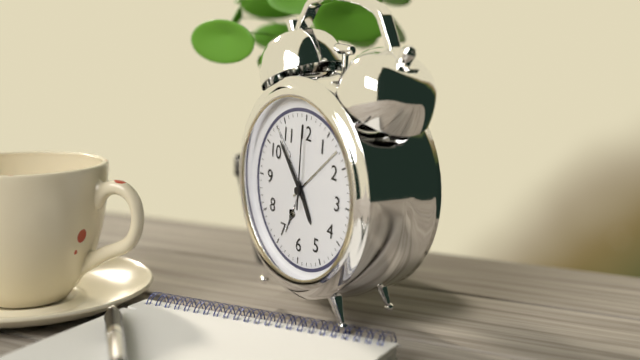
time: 4:53:00
